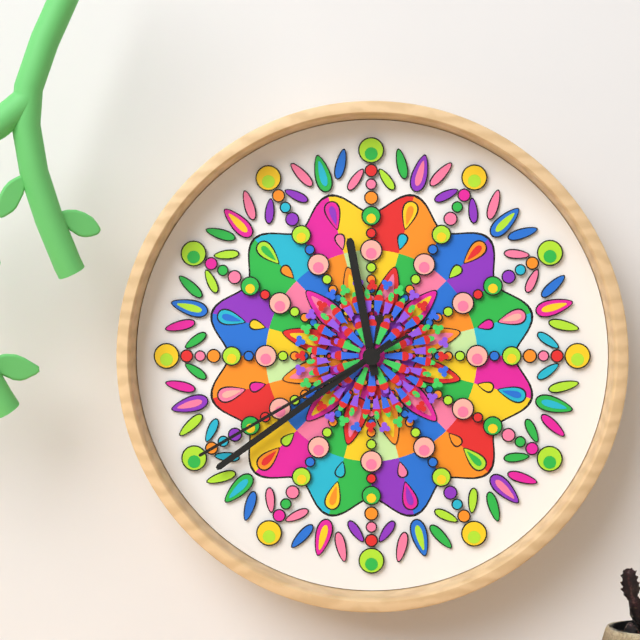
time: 11:39:40
